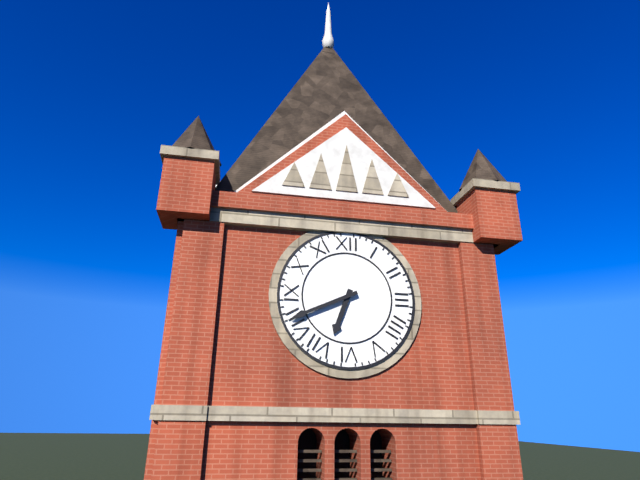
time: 6:41
